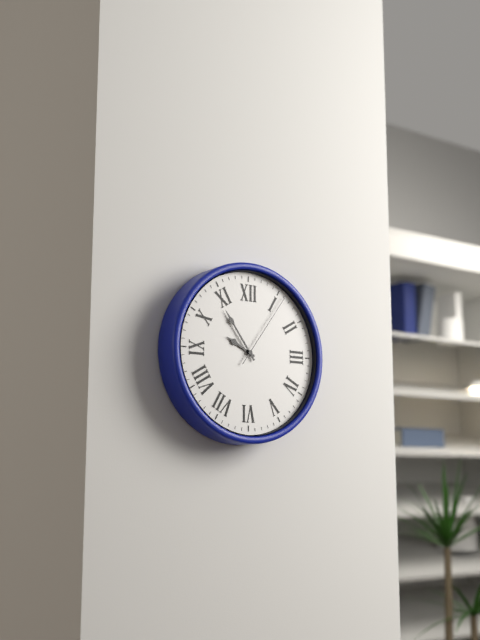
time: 9:54:06
